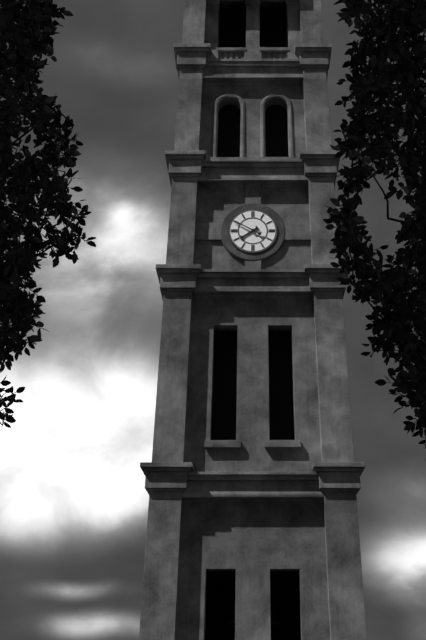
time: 7:50
